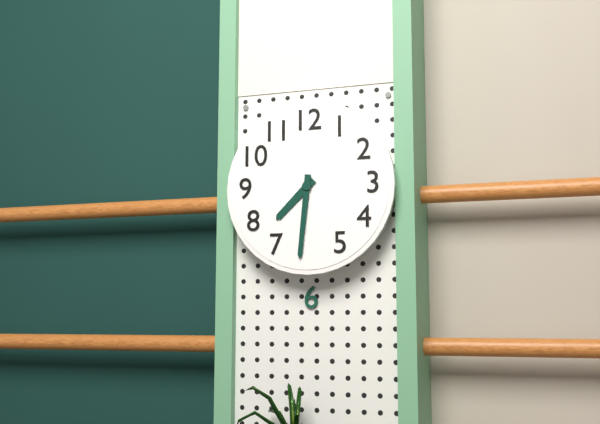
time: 7:31
